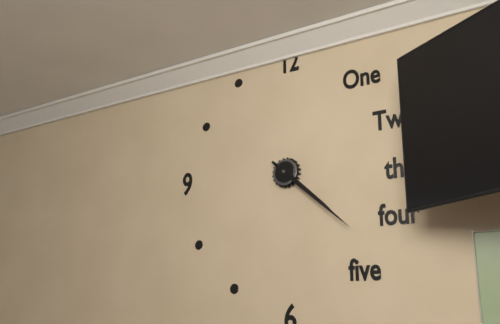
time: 4:22
